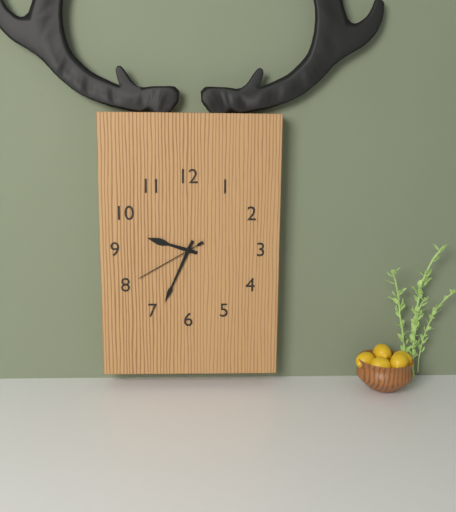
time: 9:34:40
